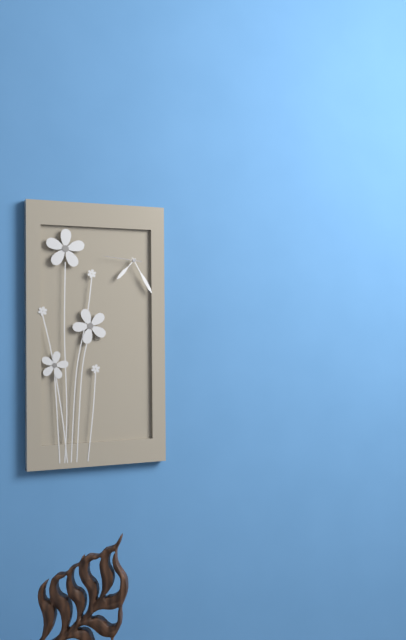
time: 7:25
